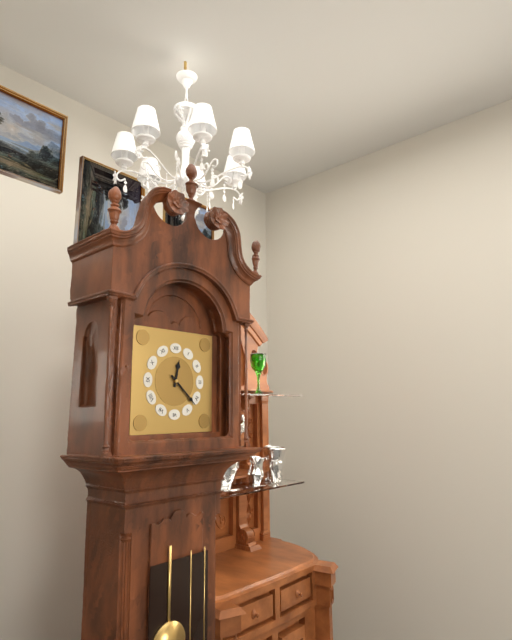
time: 12:22
